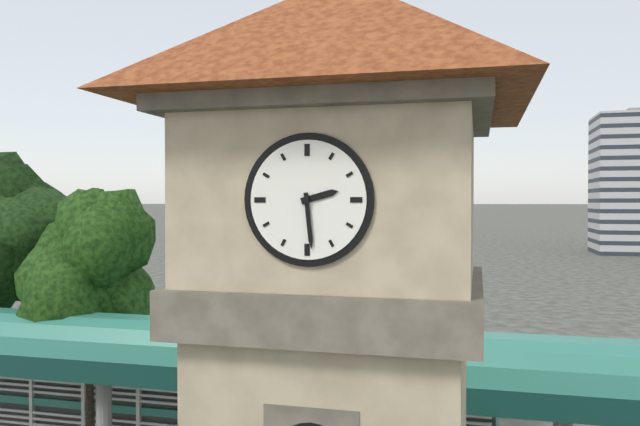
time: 2:29
